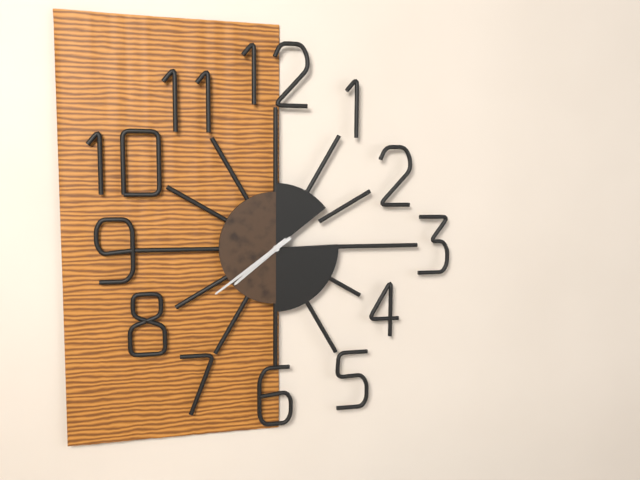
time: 7:39
